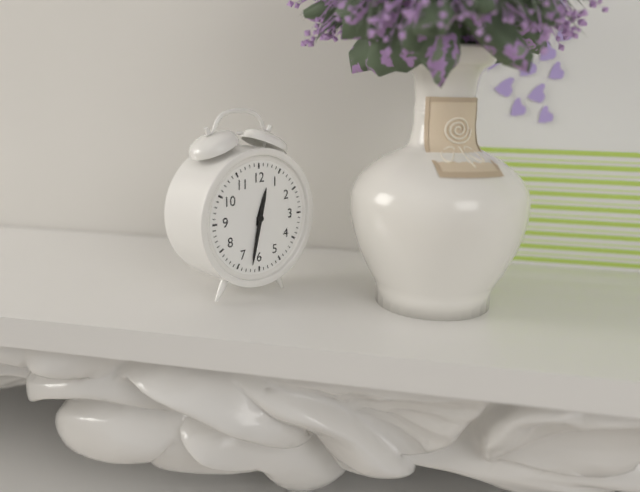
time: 12:32
